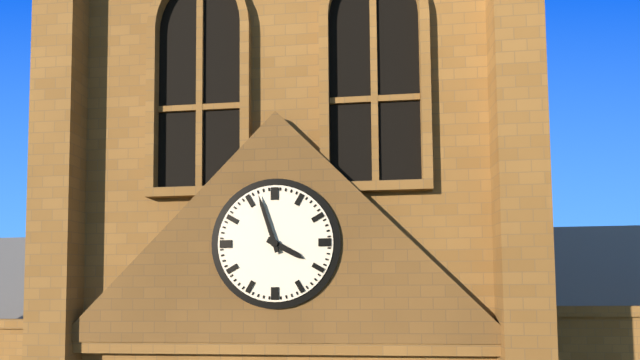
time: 3:57
